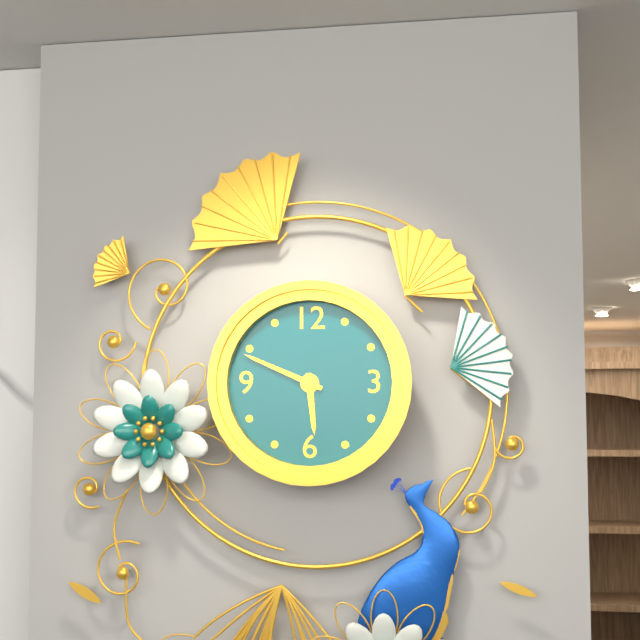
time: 5:49
